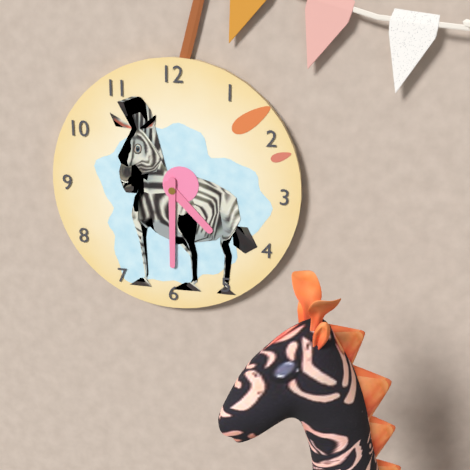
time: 4:30
